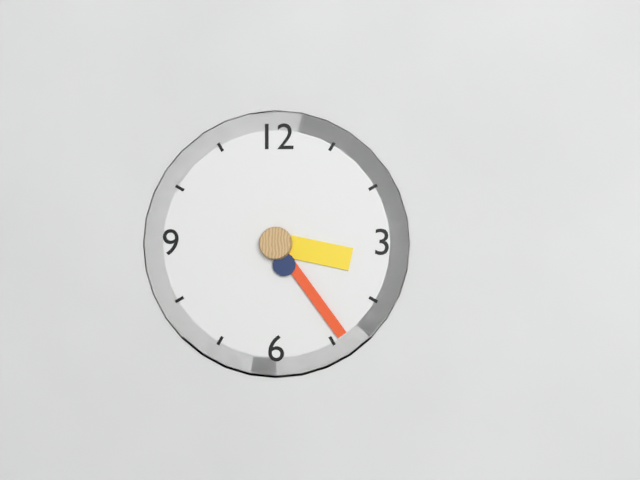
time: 3:24
